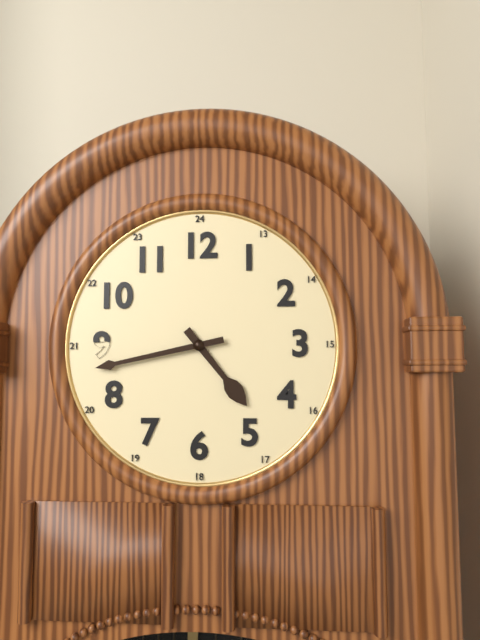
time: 4:43
